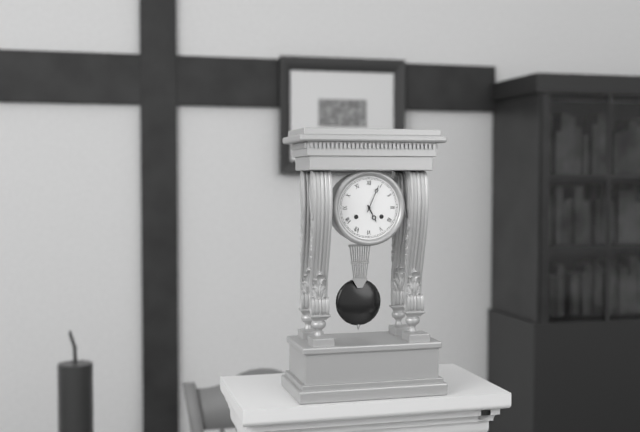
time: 5:04
